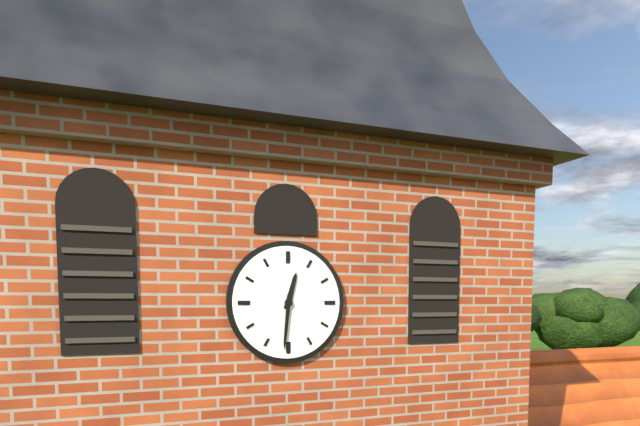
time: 12:31
